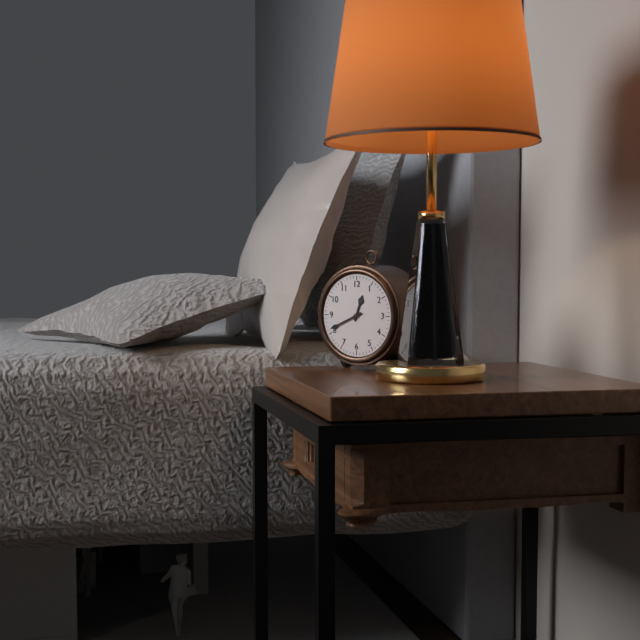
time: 12:41
